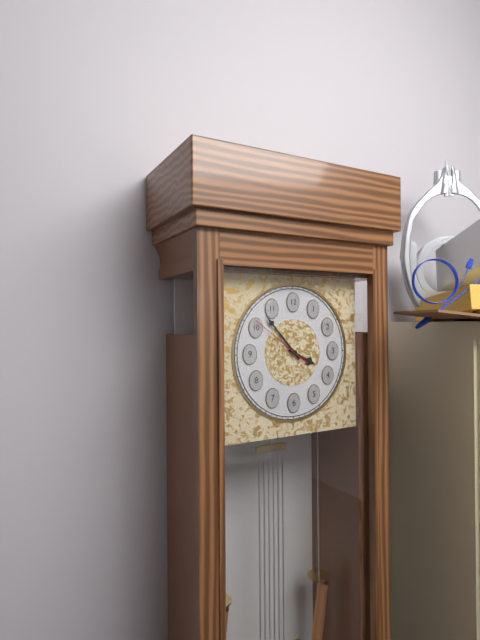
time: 3:53:51
